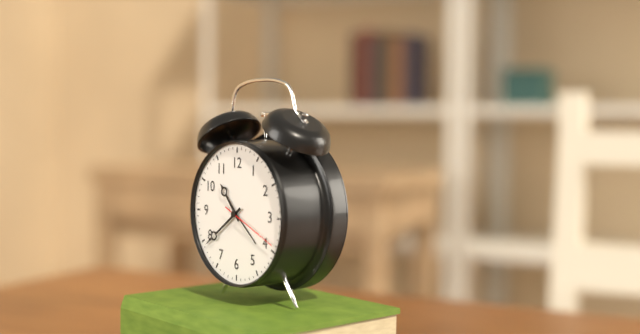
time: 10:39:19
